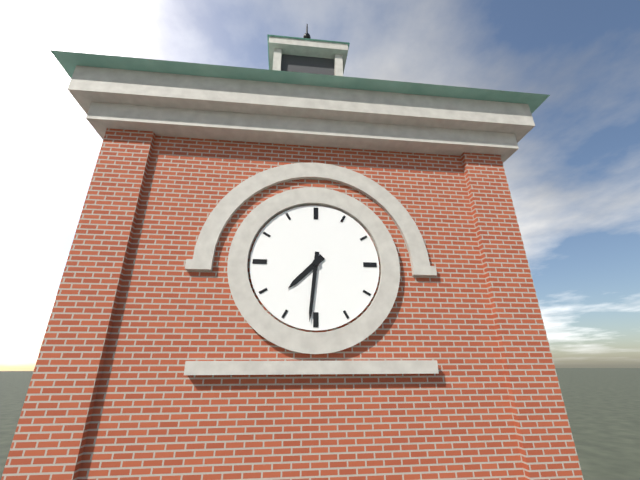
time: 7:31
